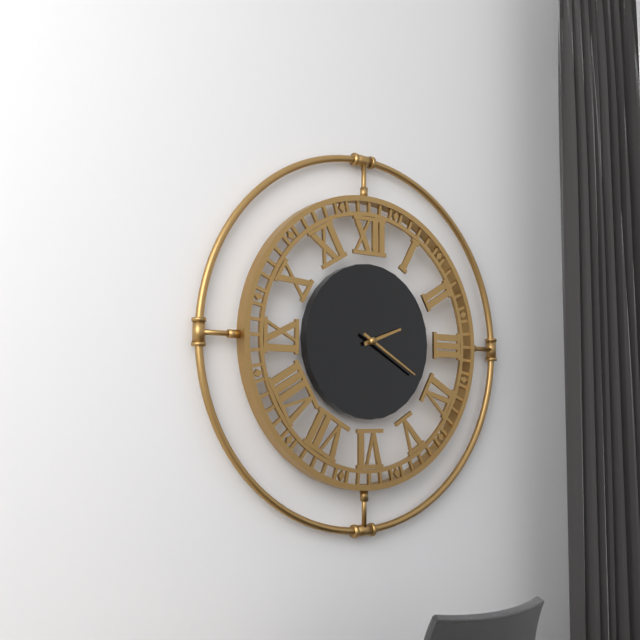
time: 2:20
